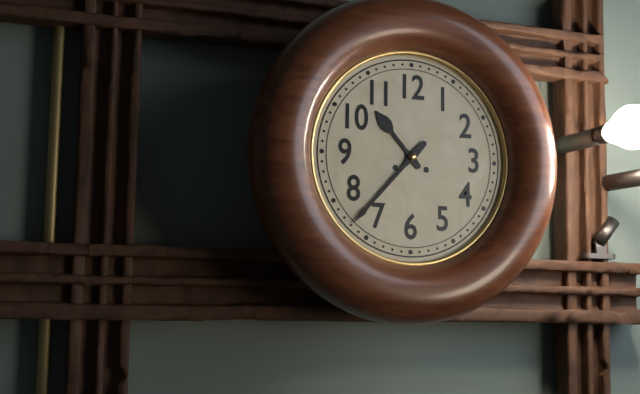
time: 10:37
